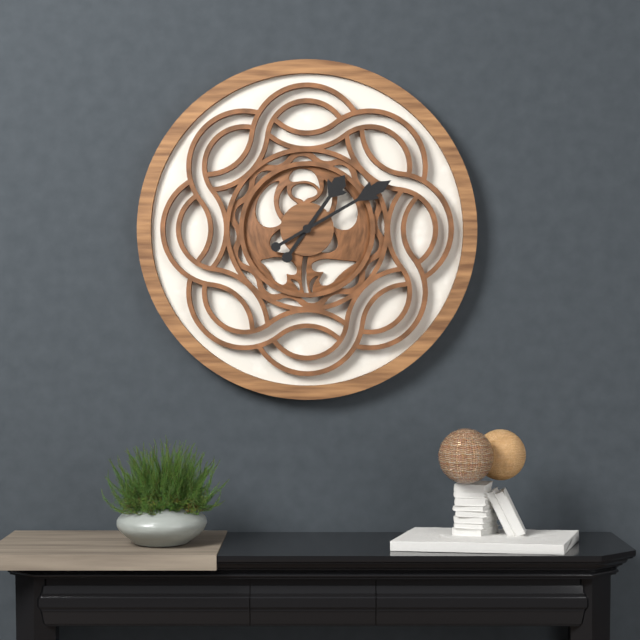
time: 1:10
